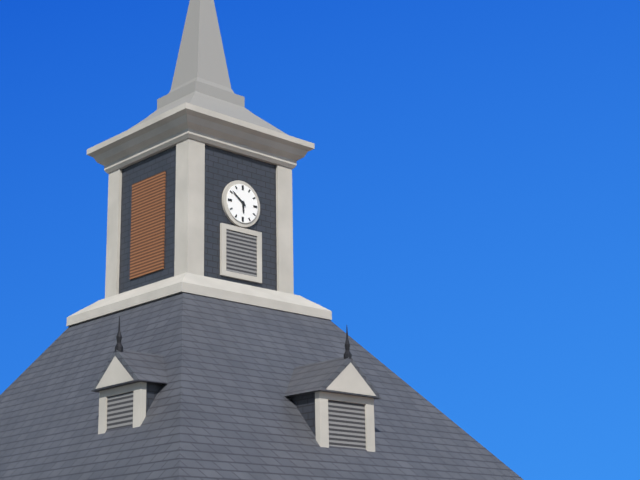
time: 5:51
